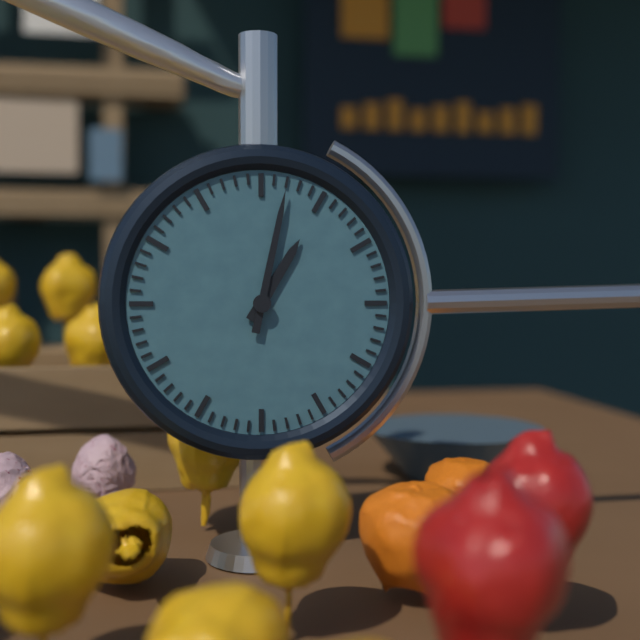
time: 1:02
